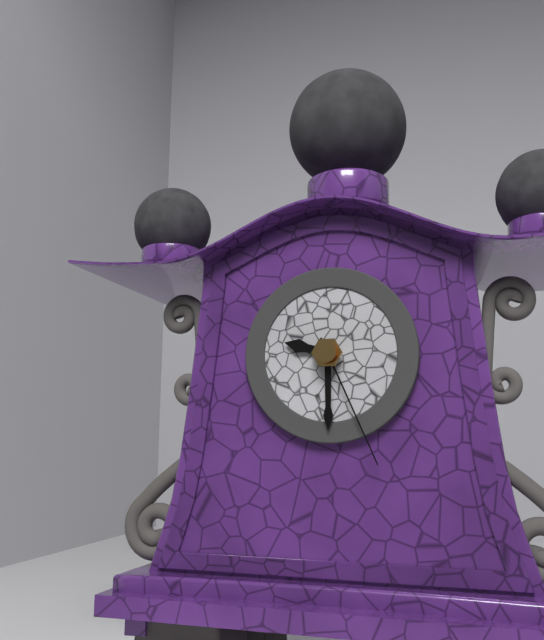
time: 9:30:26
